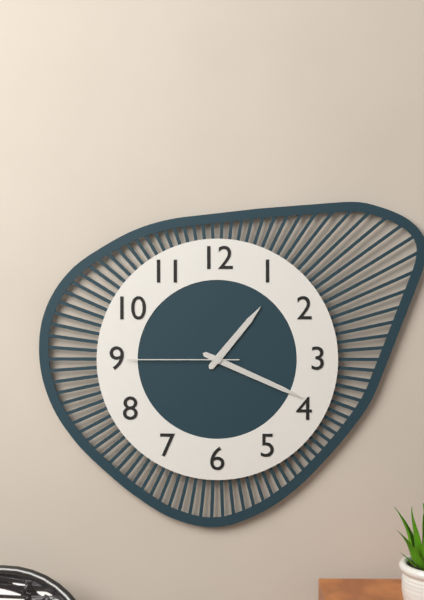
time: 1:19:45
